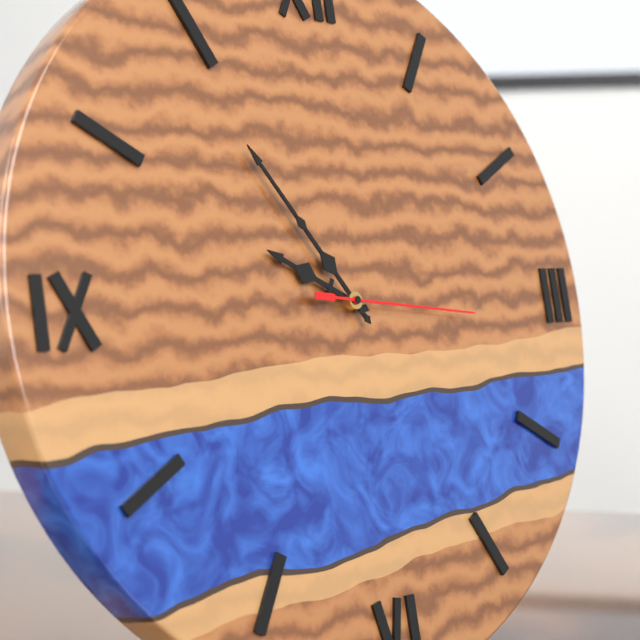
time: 9:54:16
